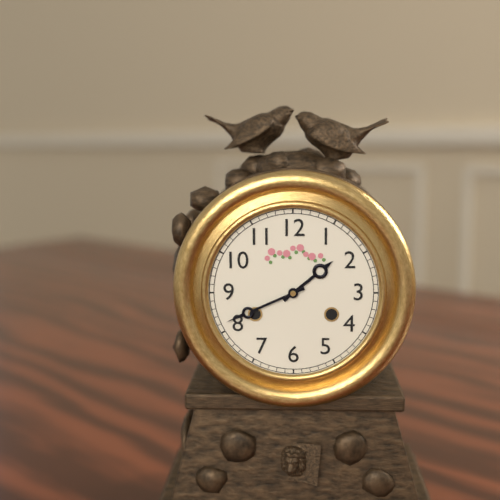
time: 1:41
